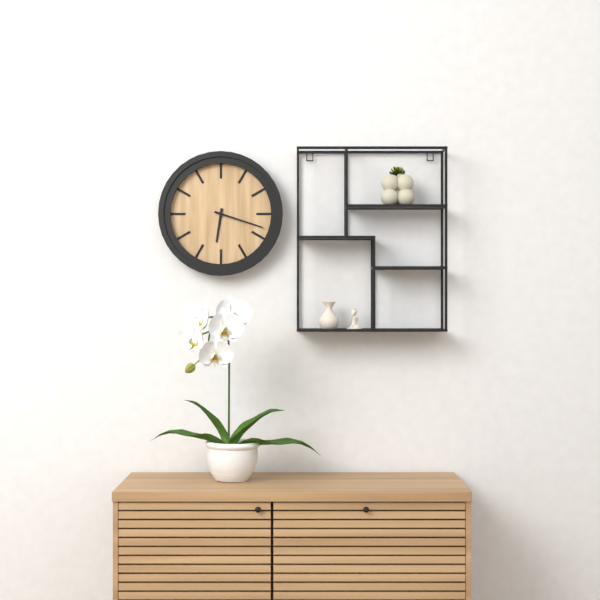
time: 6:18
